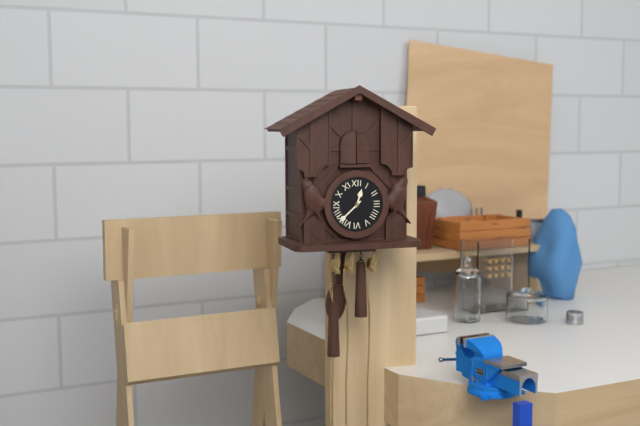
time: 12:38
